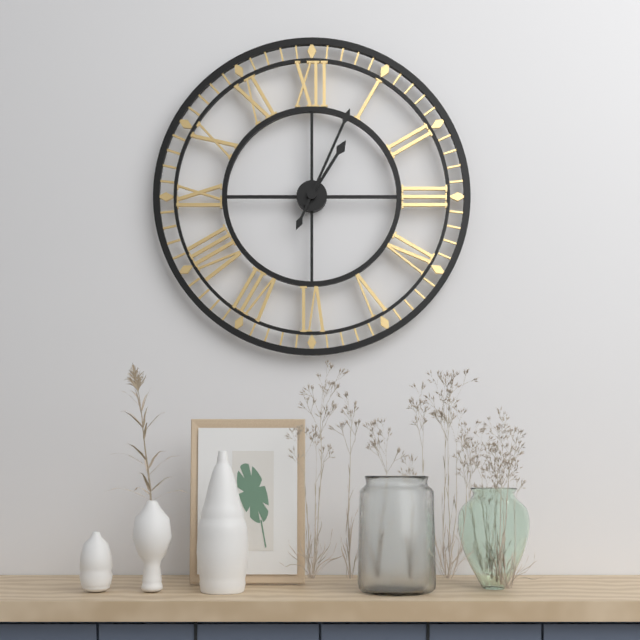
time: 1:04
